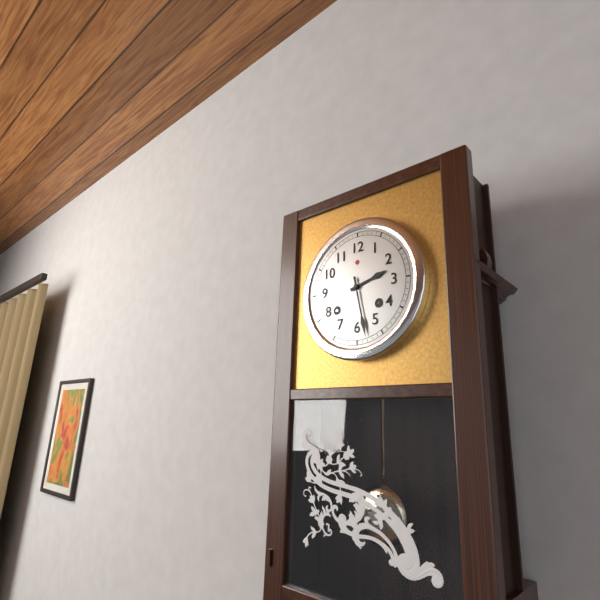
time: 2:28
